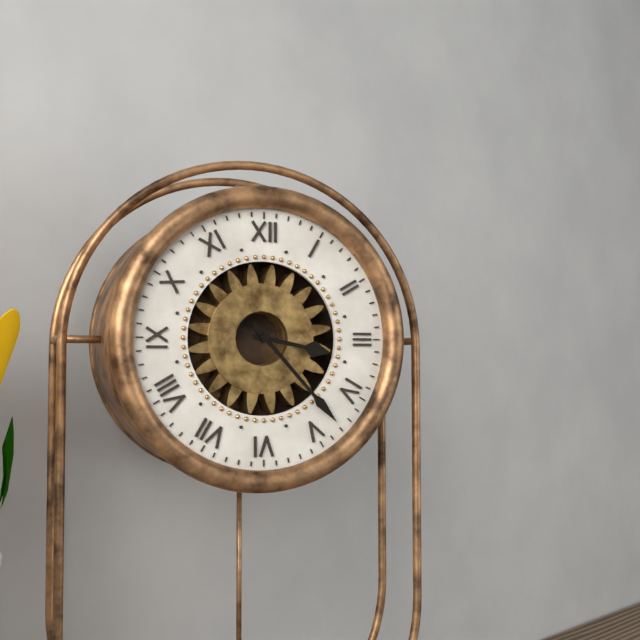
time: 3:23
